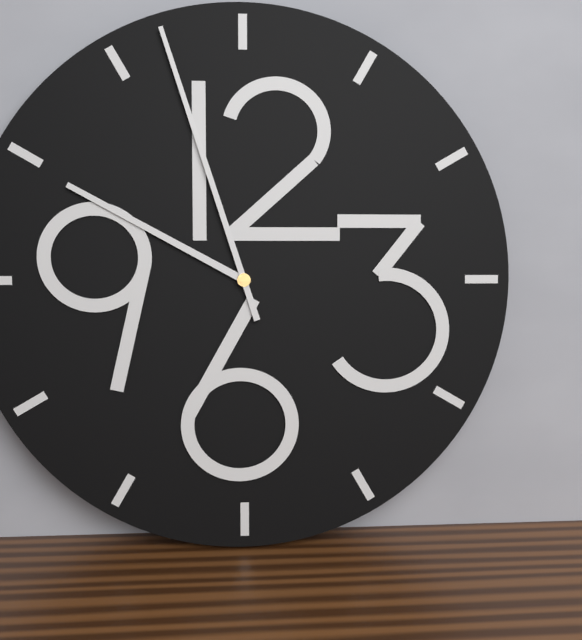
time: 9:57
